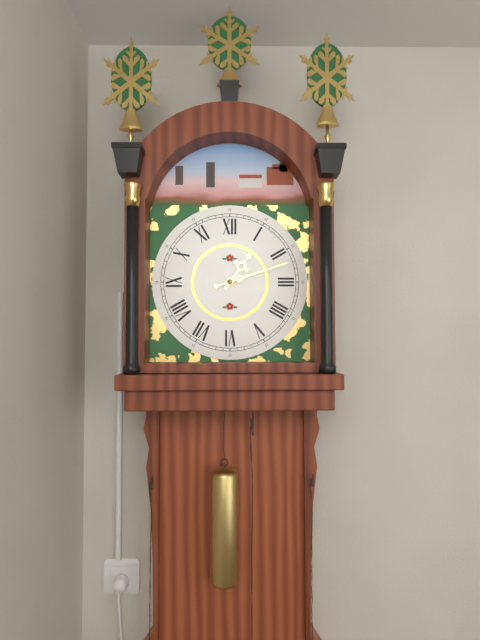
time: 1:12
